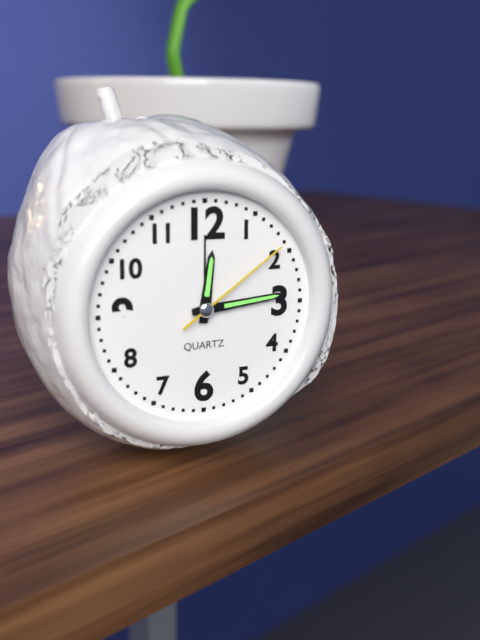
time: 12:14:09
